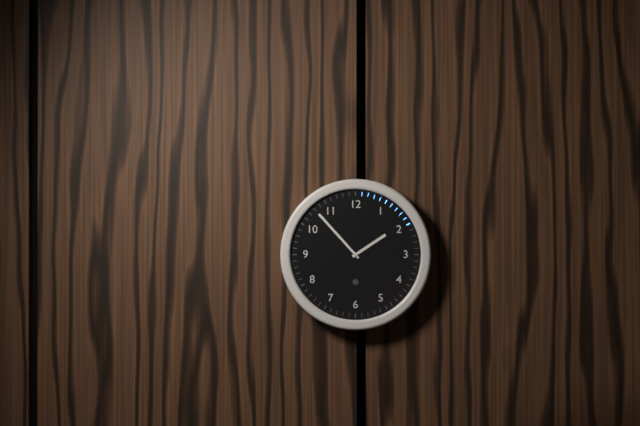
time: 1:53
